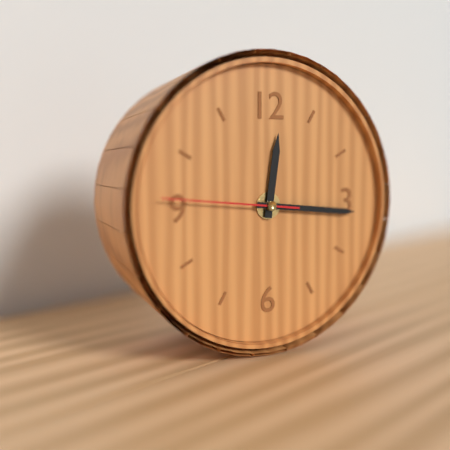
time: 12:16:46
